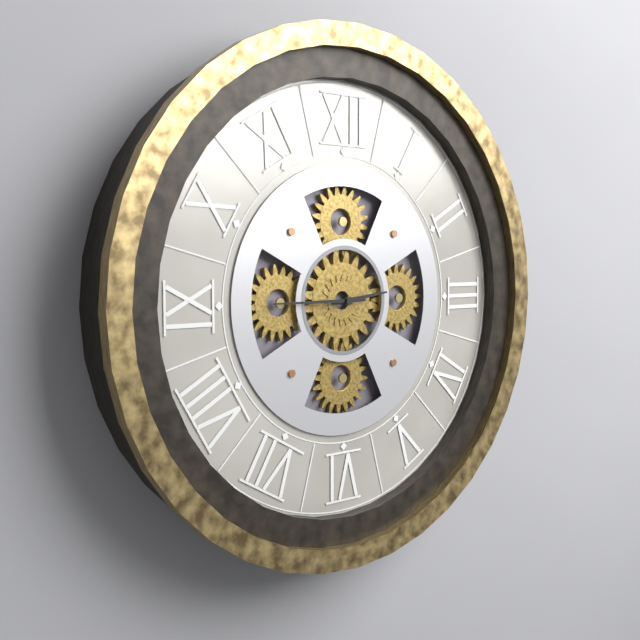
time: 2:45
